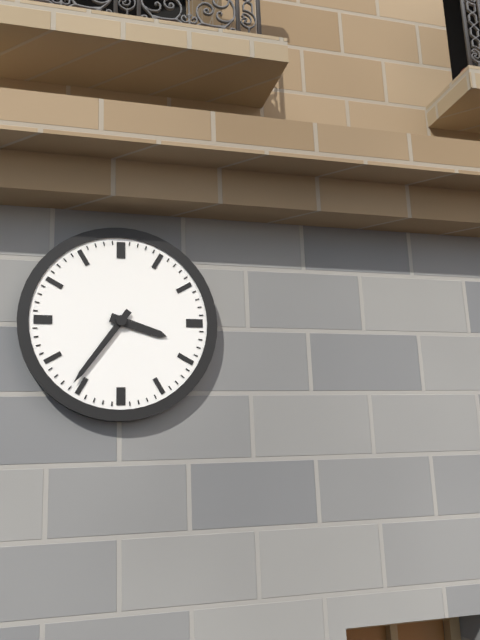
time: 3:36
